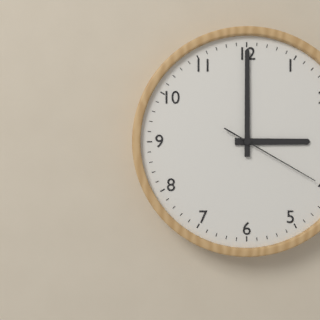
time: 3:00:20
